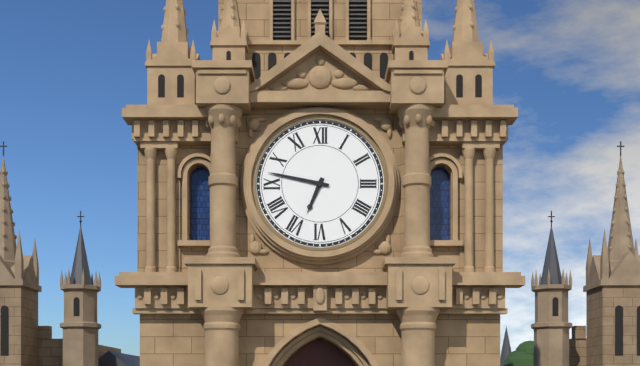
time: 6:47
